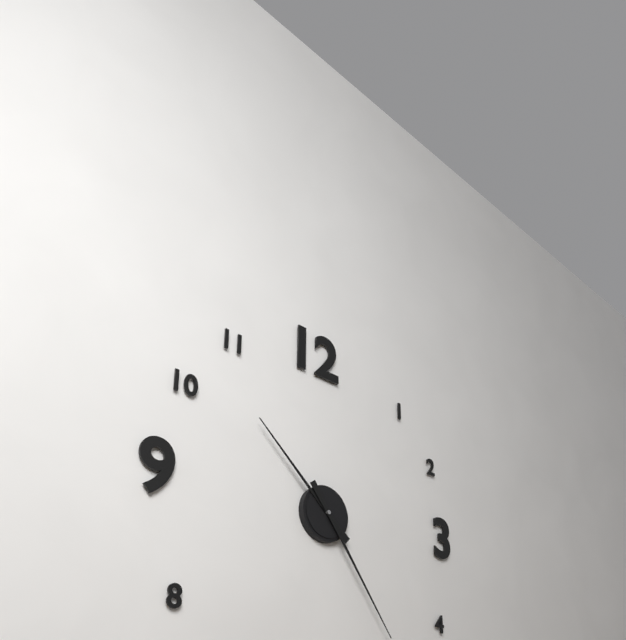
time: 10:24
